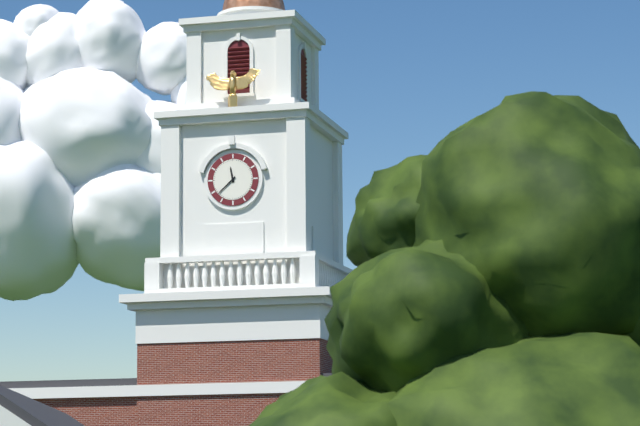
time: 11:38
